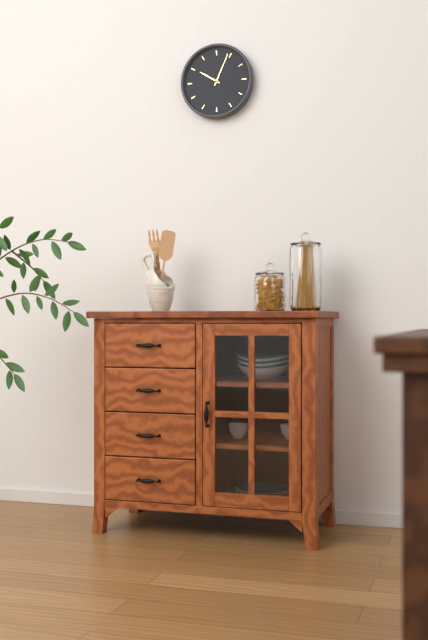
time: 10:04
